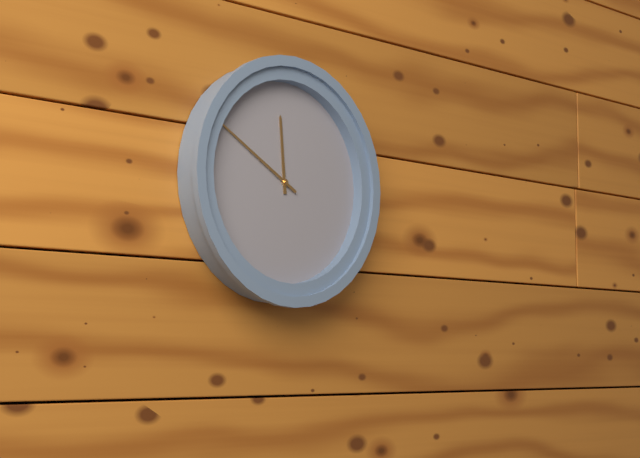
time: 11:50
